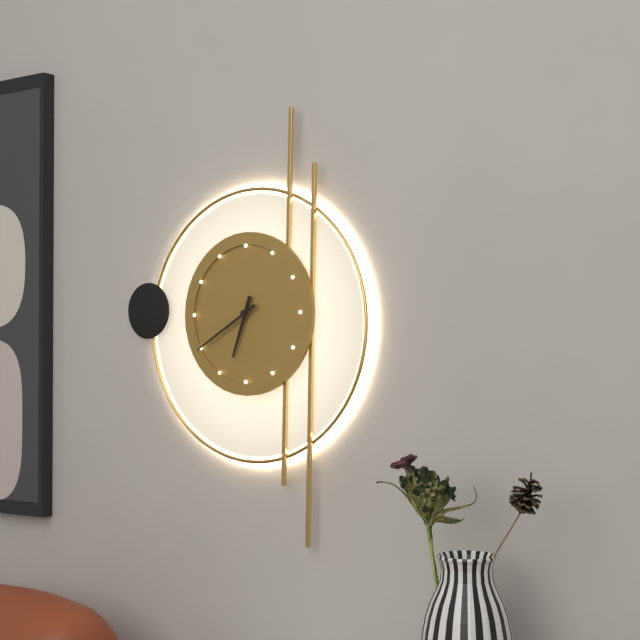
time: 6:40
